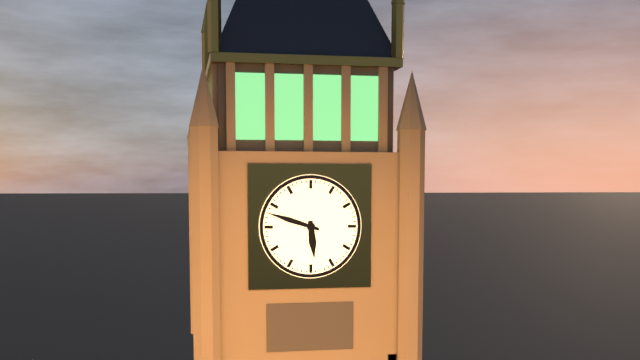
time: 5:48
